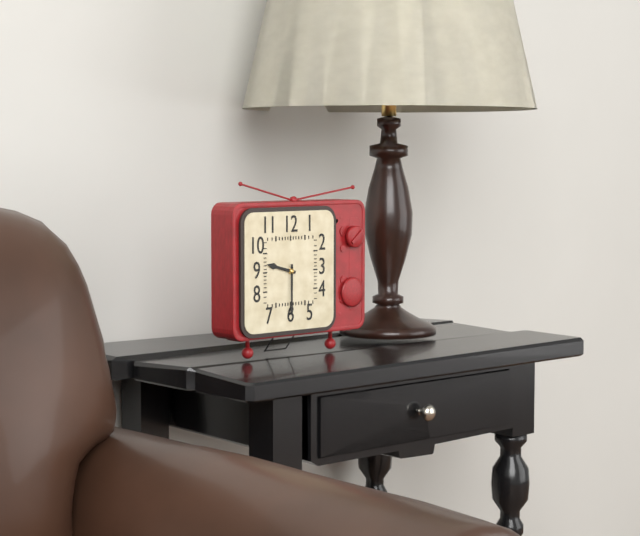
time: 9:30
